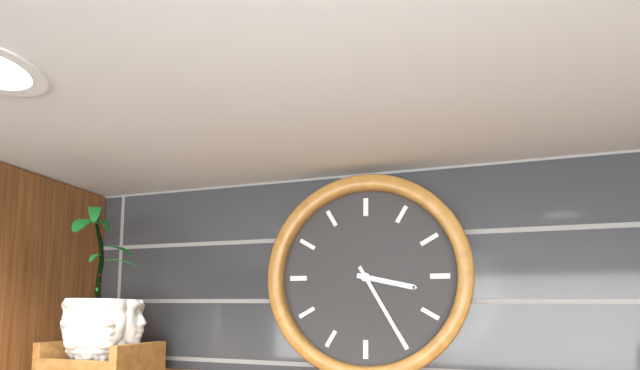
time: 3:25
